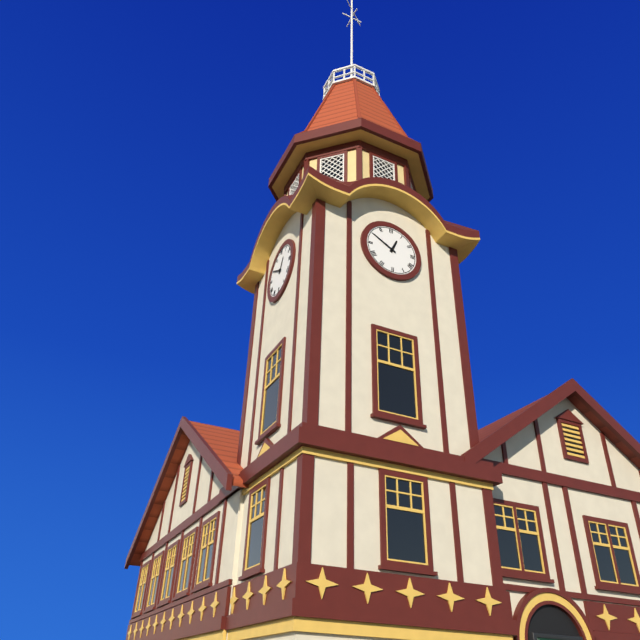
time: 12:50
